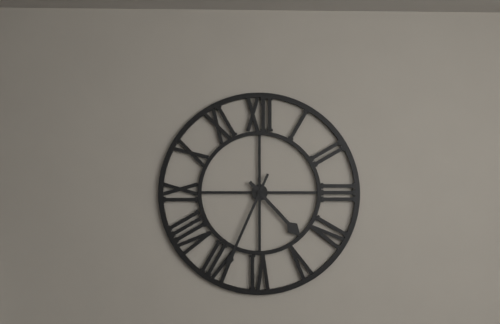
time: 4:34
